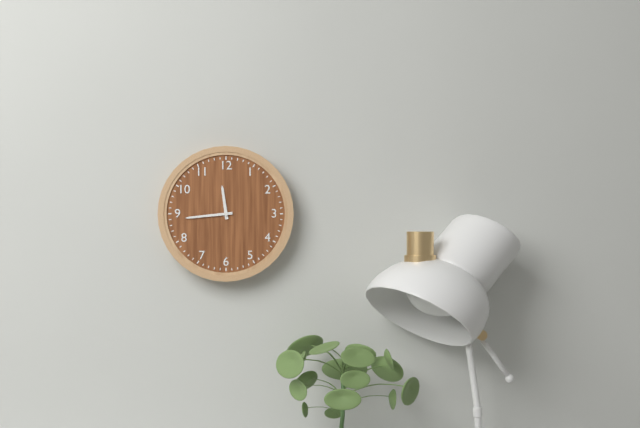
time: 11:44
